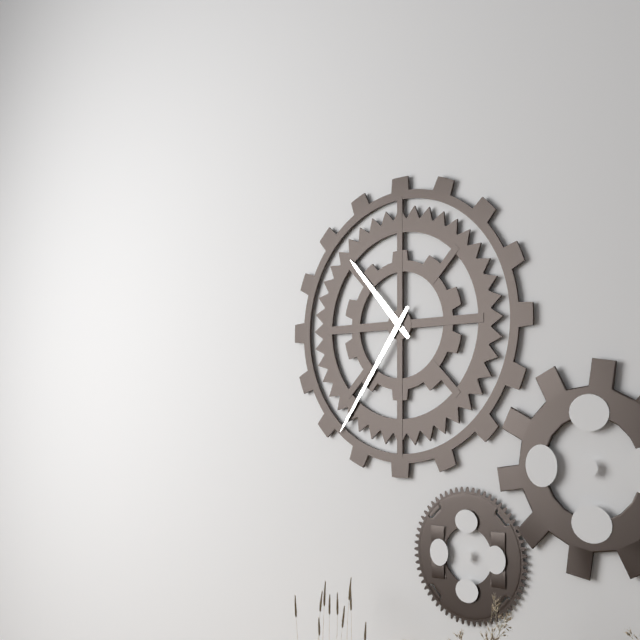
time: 10:36
